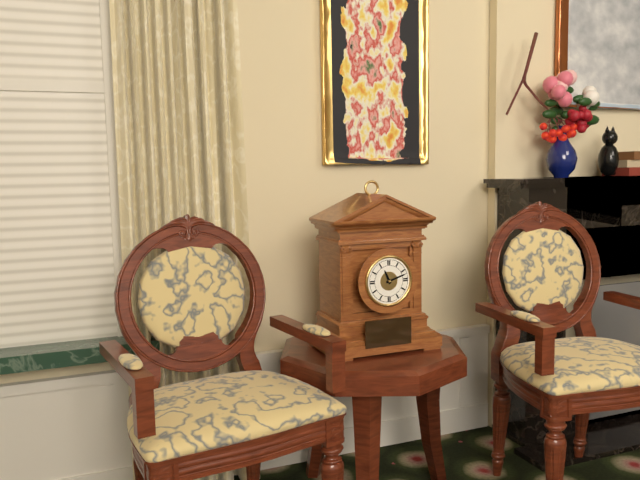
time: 11:12
